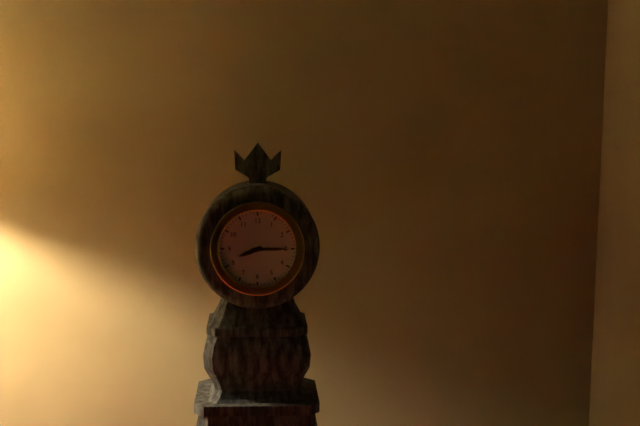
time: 8:15
